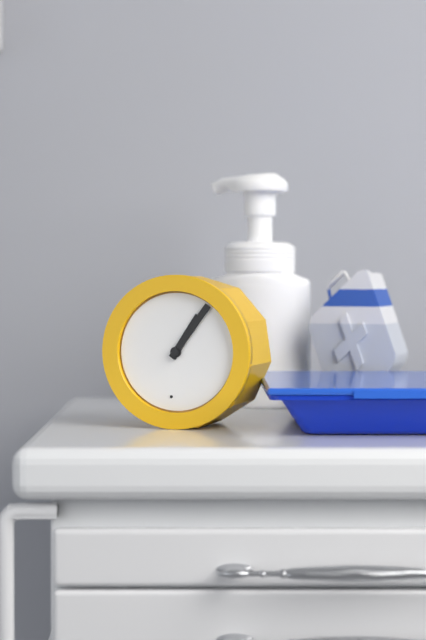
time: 1:06
